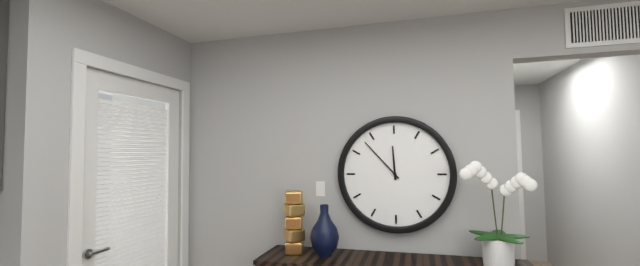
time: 11:53
